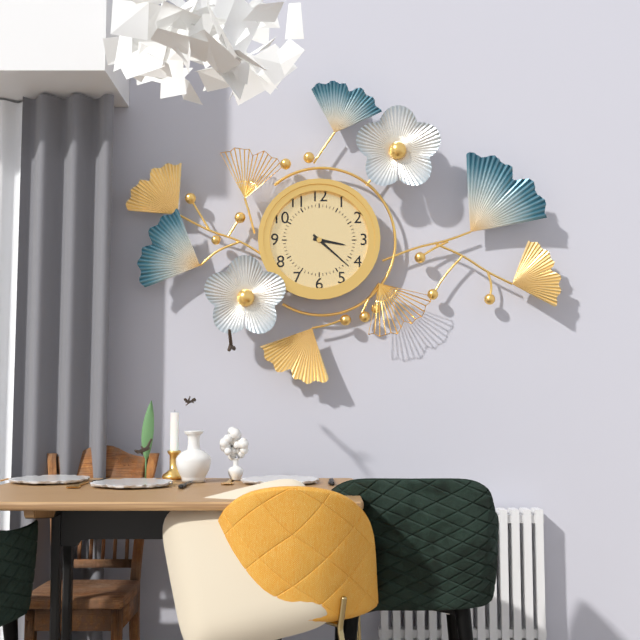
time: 3:22
